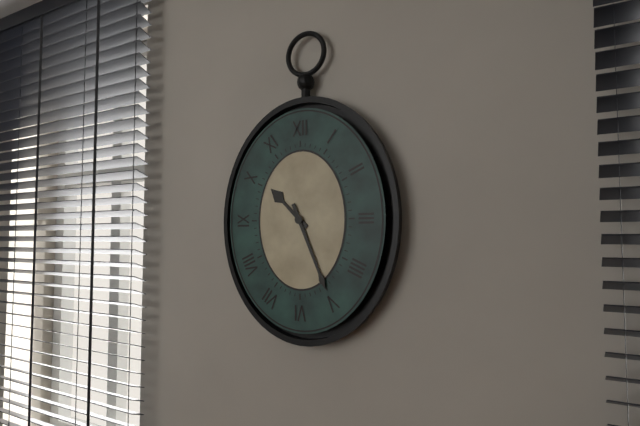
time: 10:26
